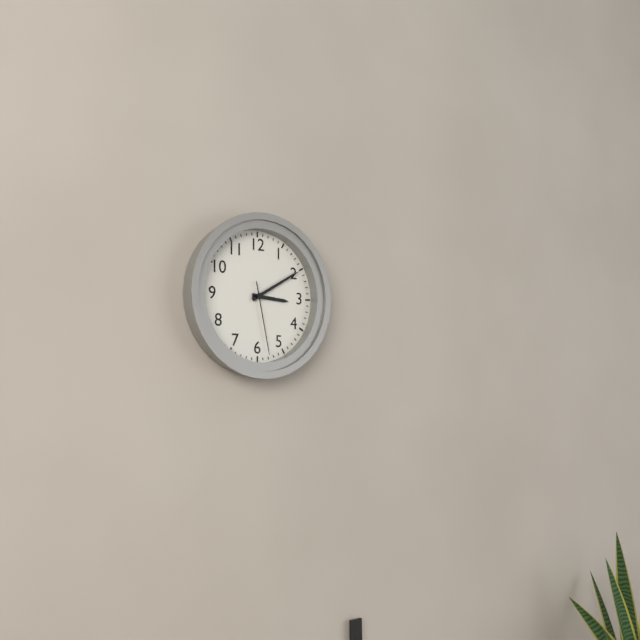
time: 3:10:28
